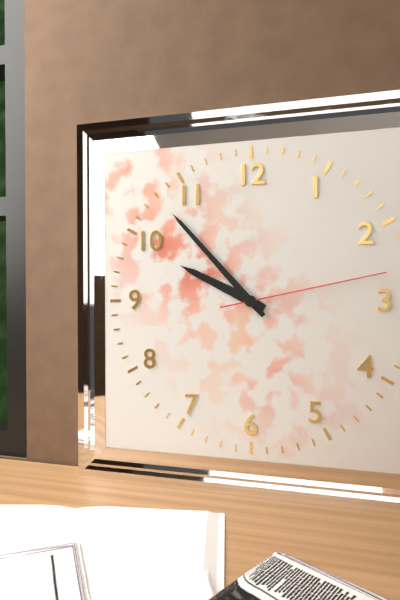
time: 9:53:13
